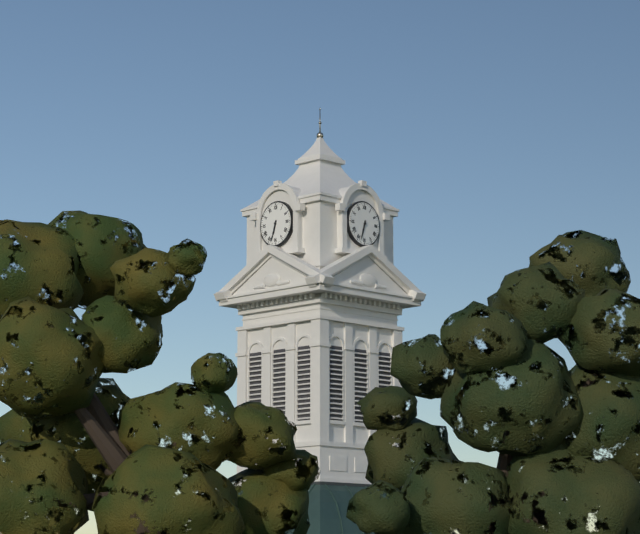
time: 6:33
